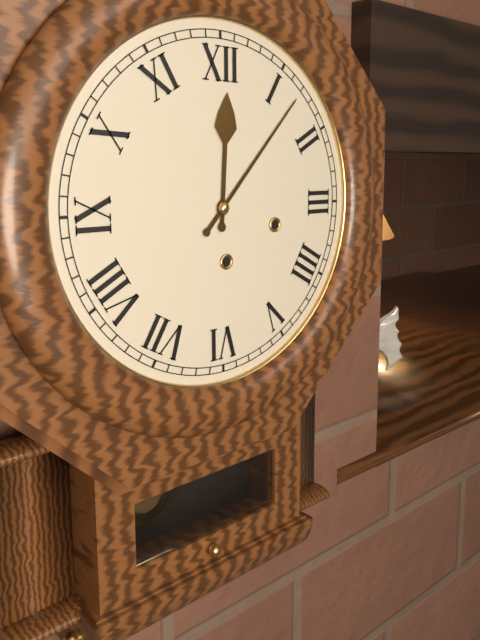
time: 12:07
